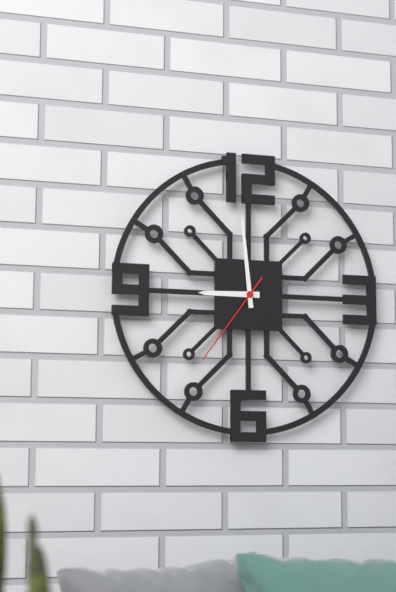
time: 8:59:36
